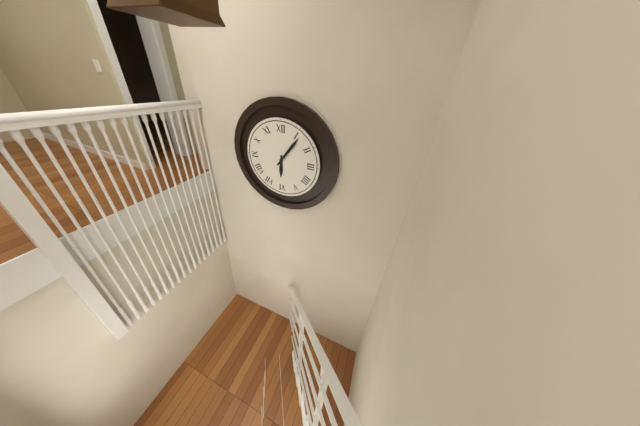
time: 6:06
